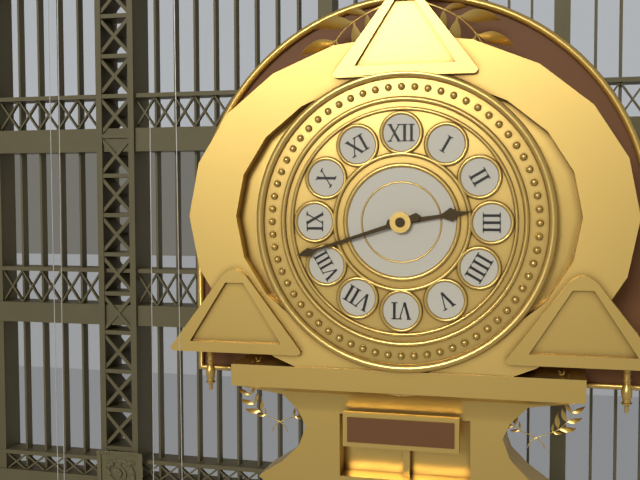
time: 2:42
